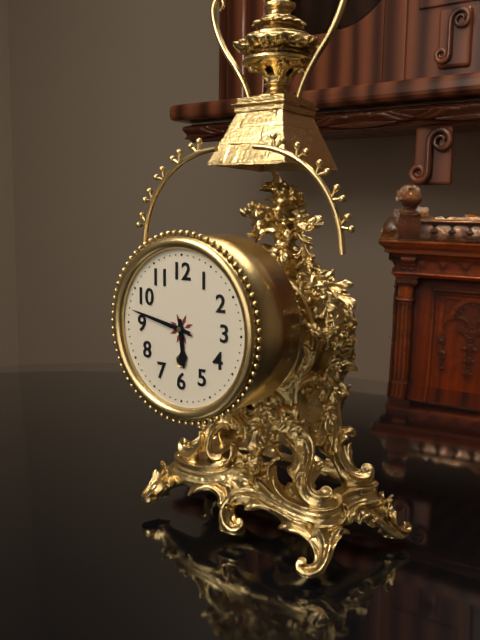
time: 5:47
